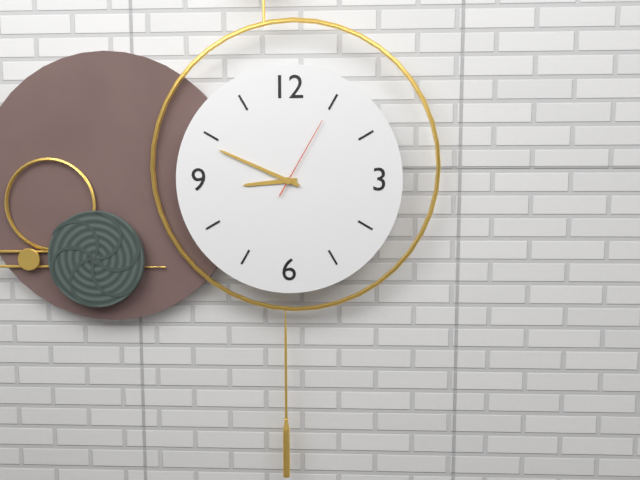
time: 8:49:05
